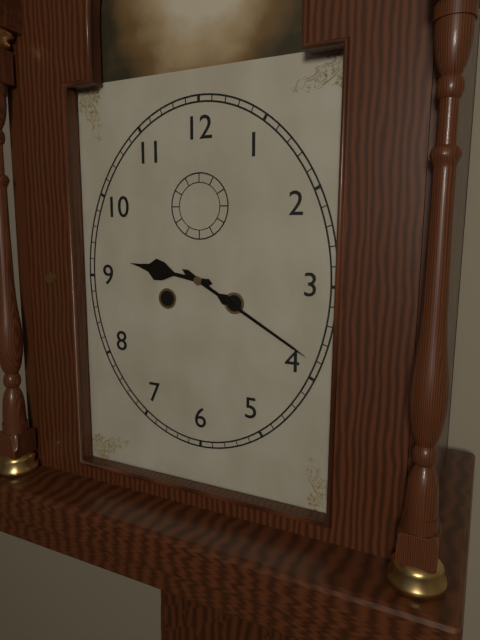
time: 9:20
